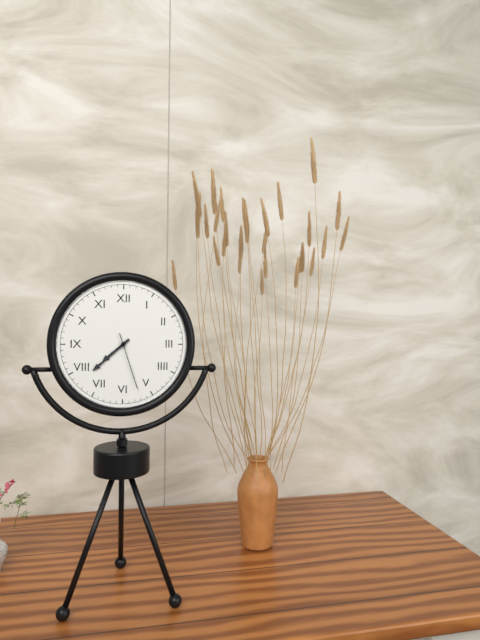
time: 7:38:27
